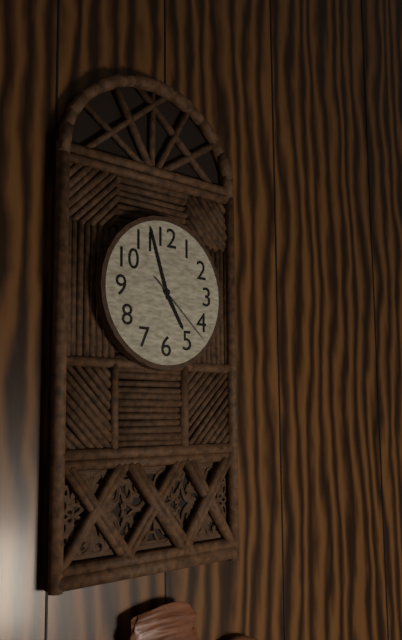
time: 4:57:22
